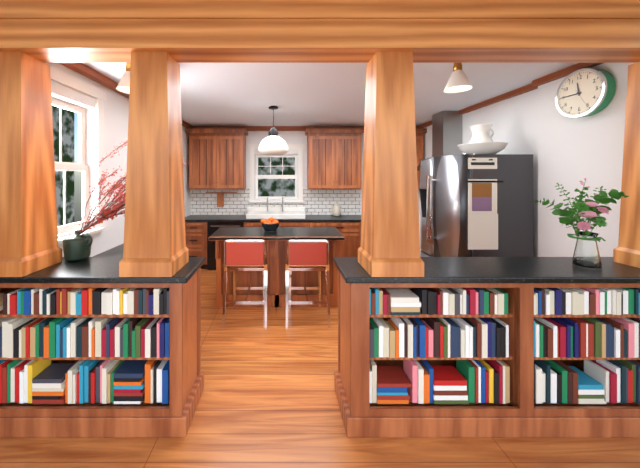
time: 11:45
